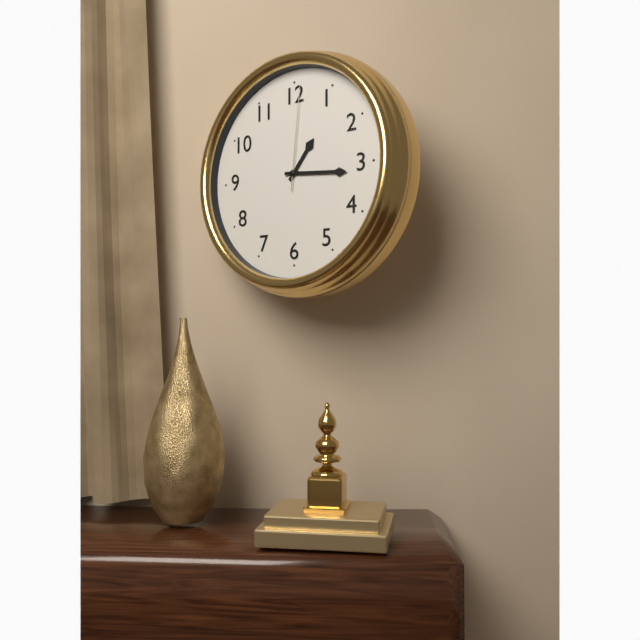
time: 1:16:01
